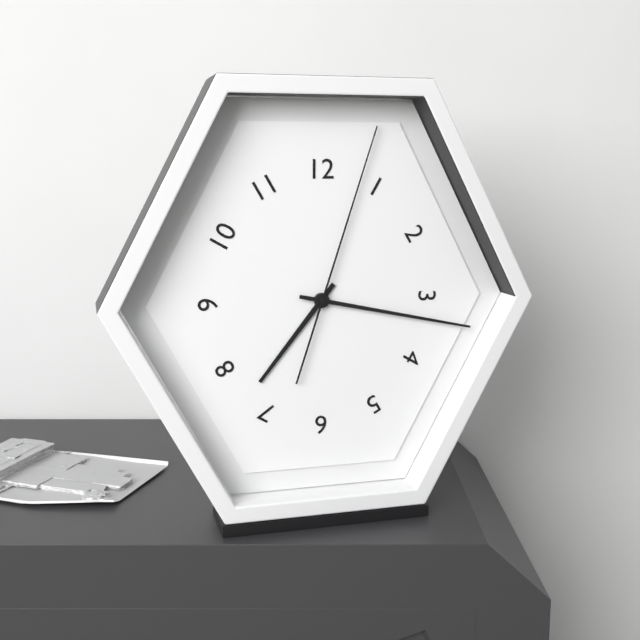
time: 7:17:03
